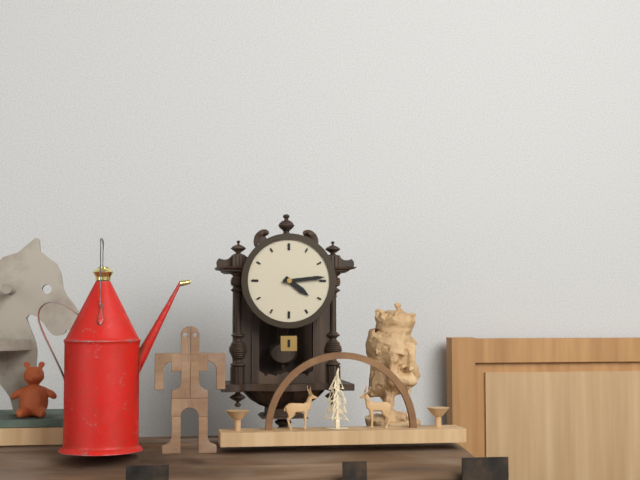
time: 4:14
